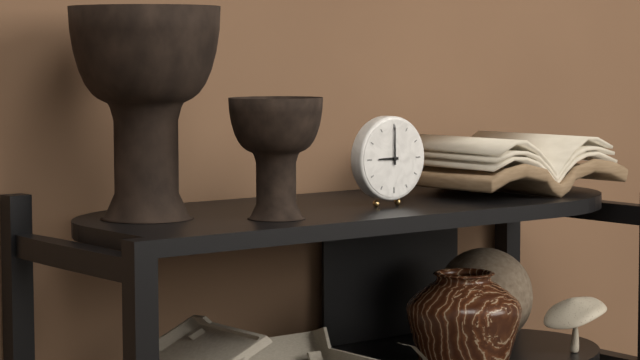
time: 9:00
